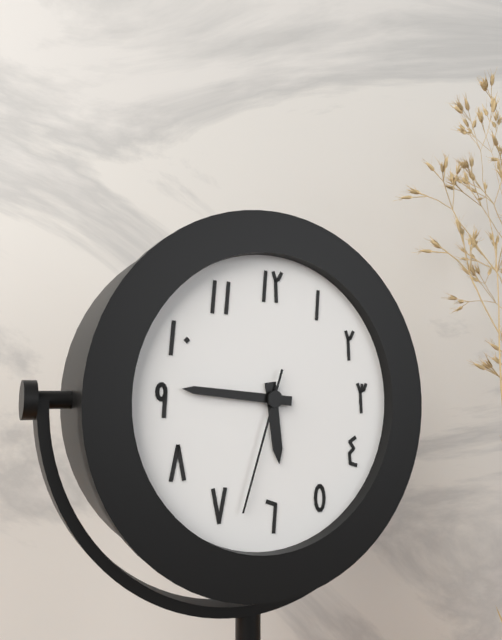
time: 5:46:33
